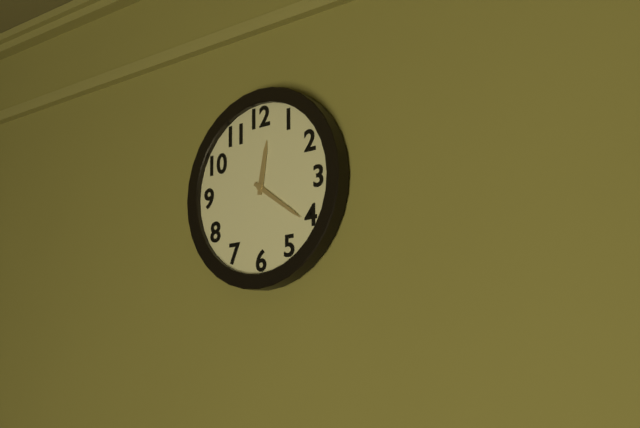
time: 12:21
